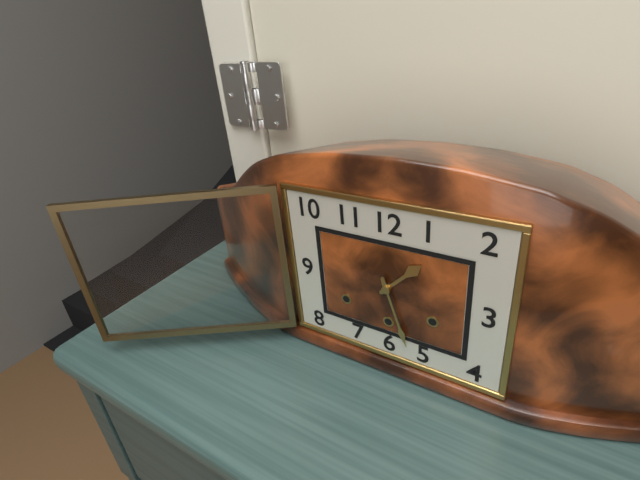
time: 1:27
